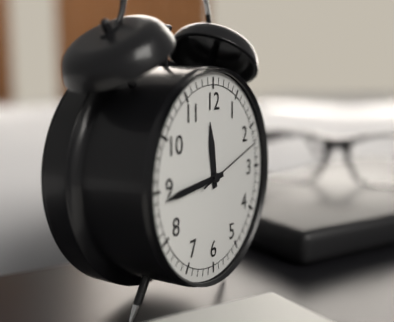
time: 11:44:12
